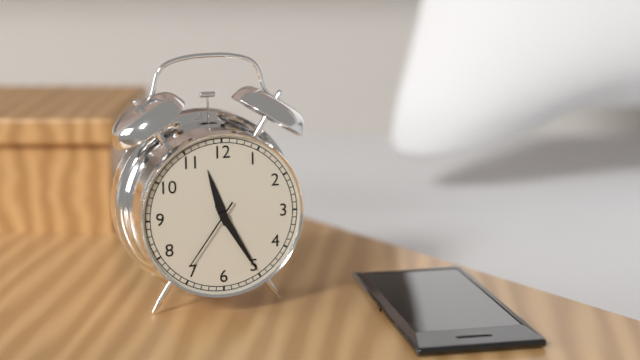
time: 11:25:36
